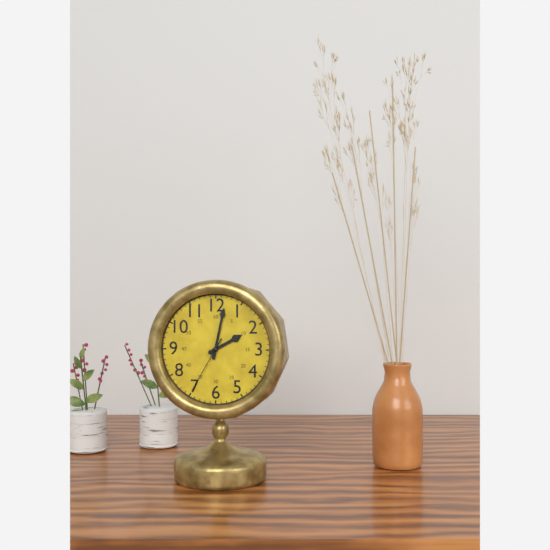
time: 2:02:35
